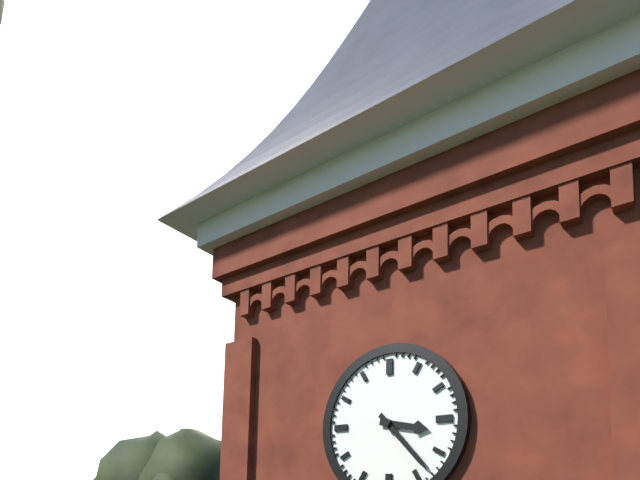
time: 3:23
